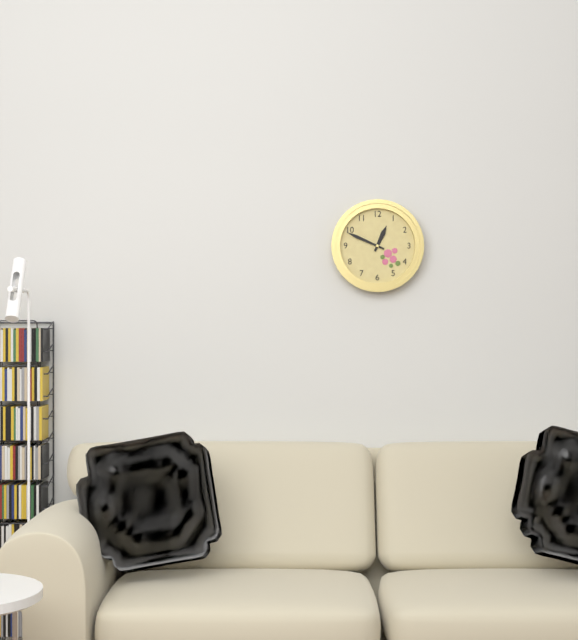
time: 12:49
